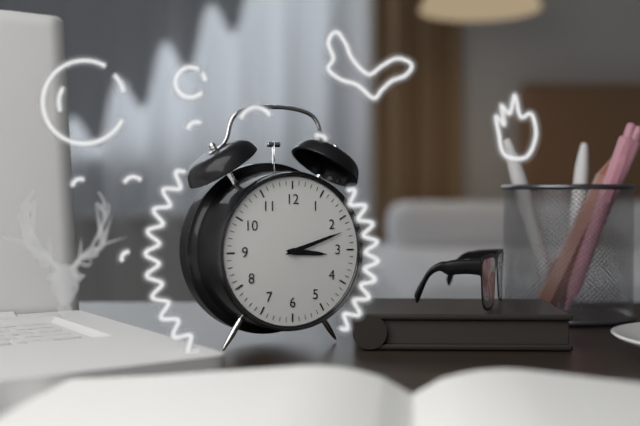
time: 3:12
